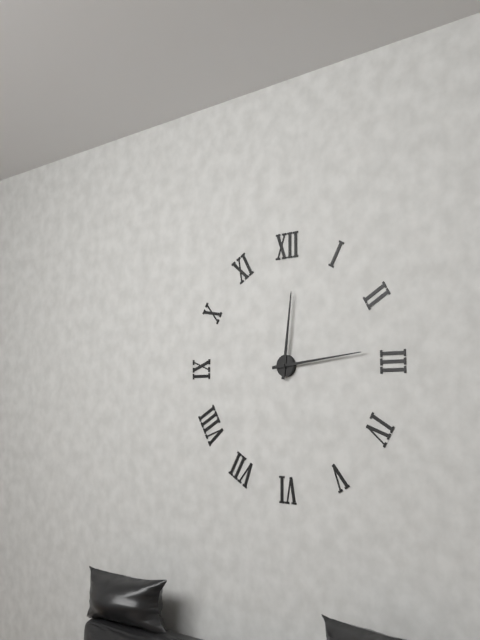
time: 12:14
